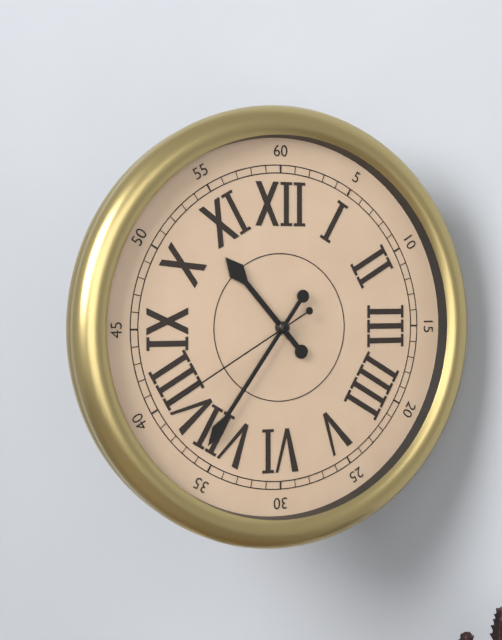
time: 10:36:40
